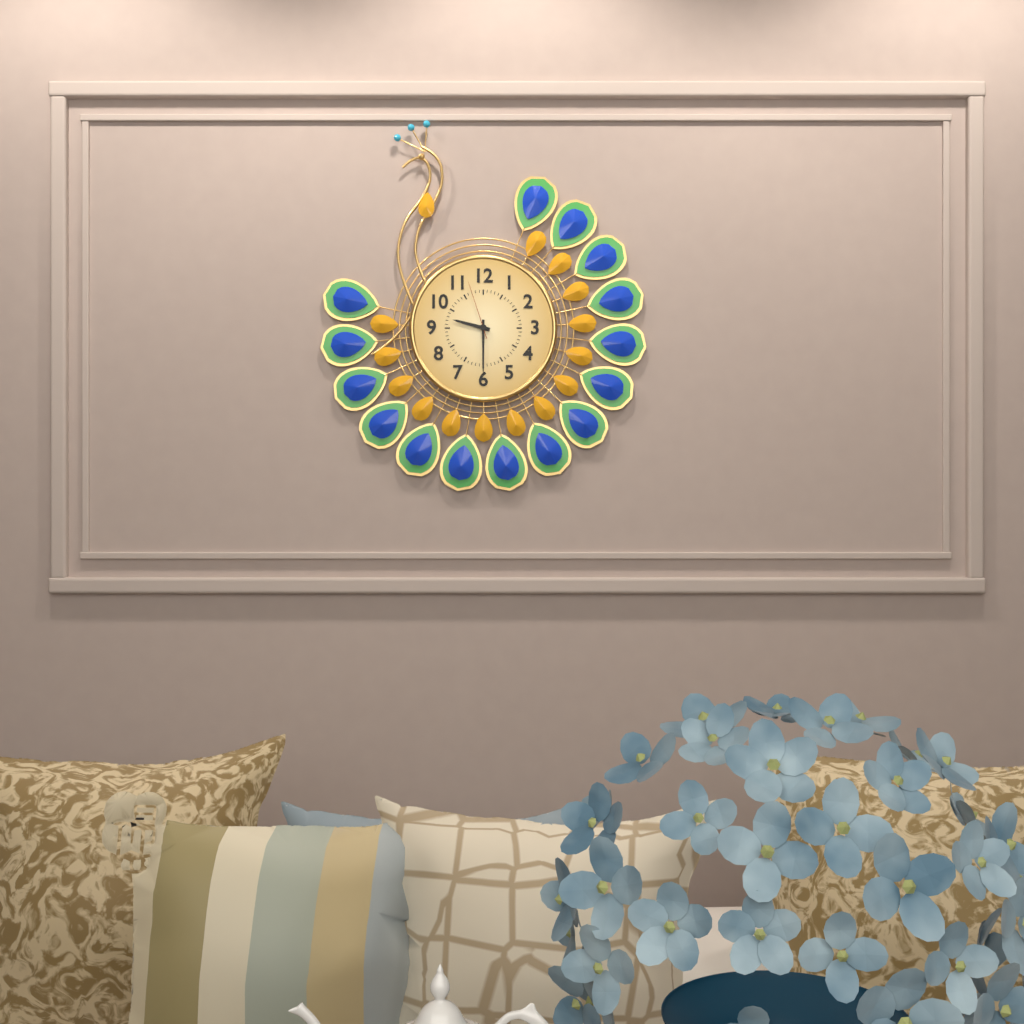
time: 9:30:57
